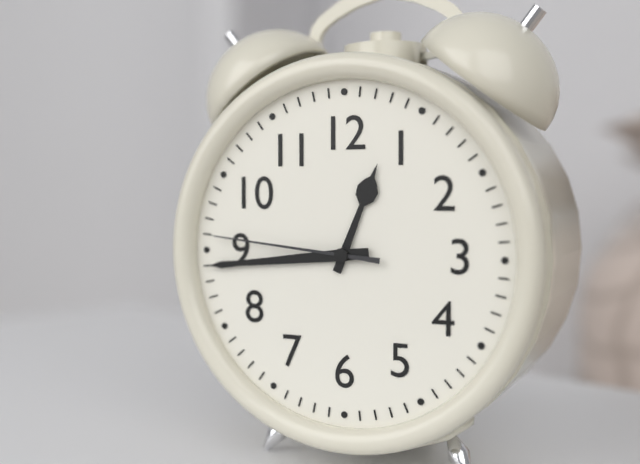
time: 12:44:46
